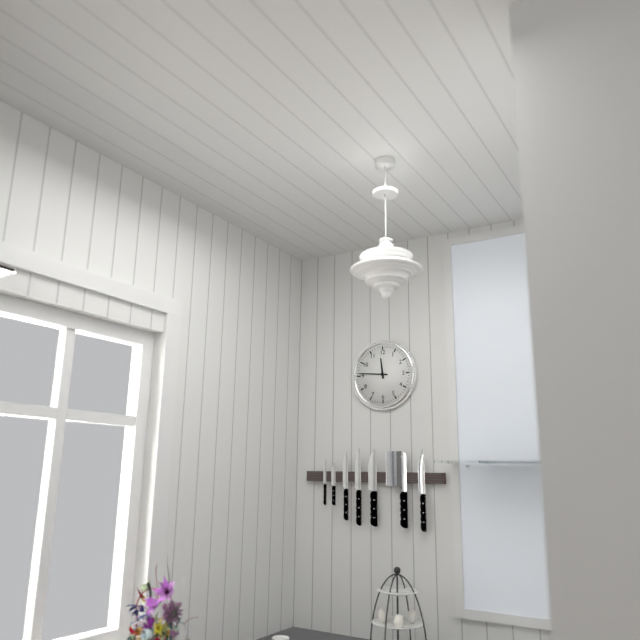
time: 11:46
